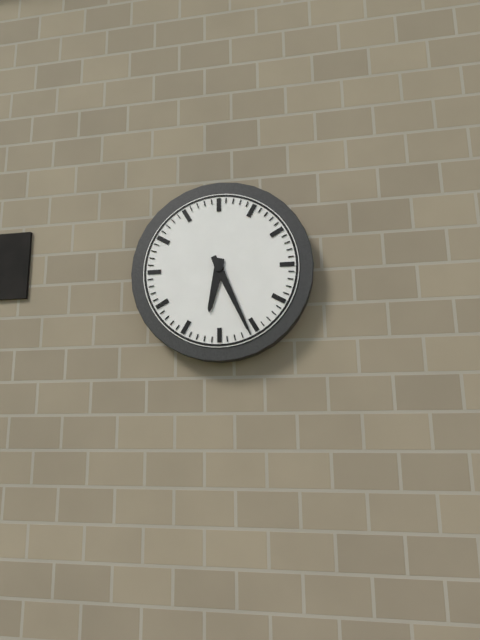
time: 6:26
